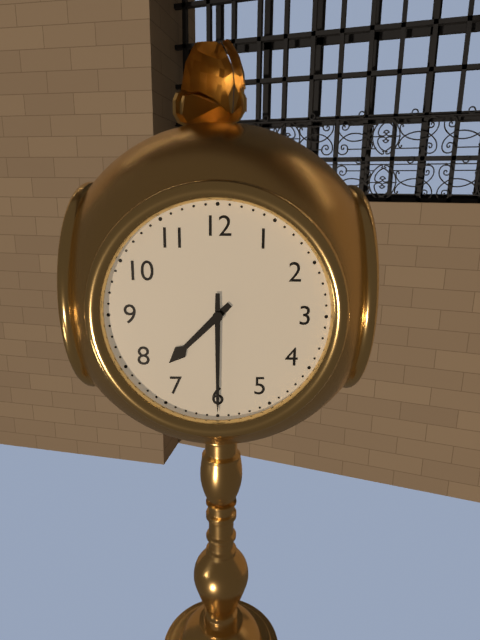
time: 7:30
